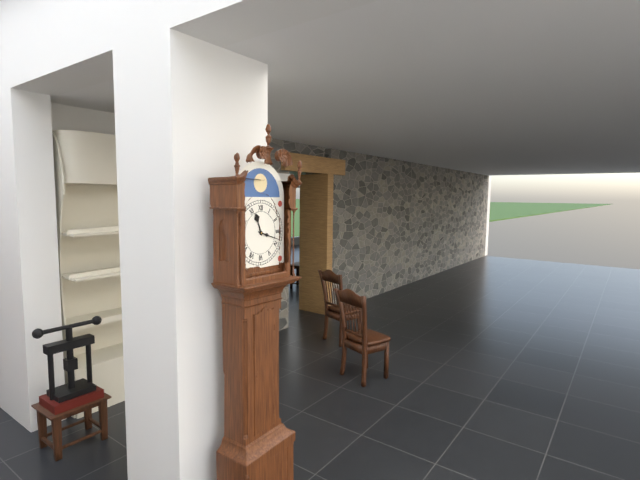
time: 11:18
